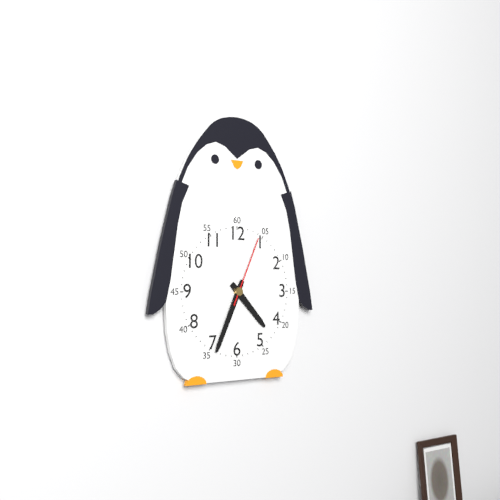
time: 4:34:04
